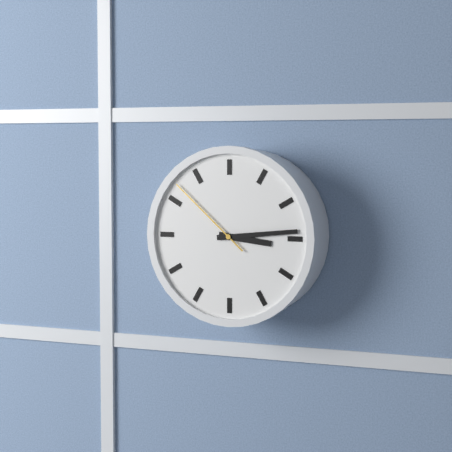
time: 3:14:52
